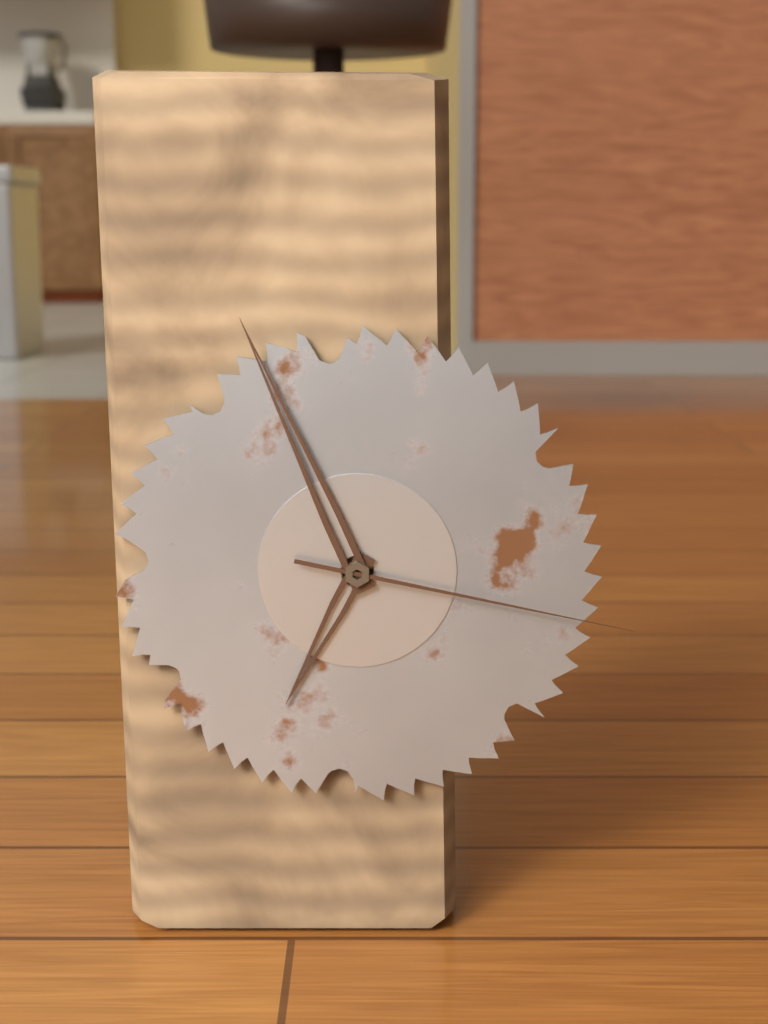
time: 6:56:17
